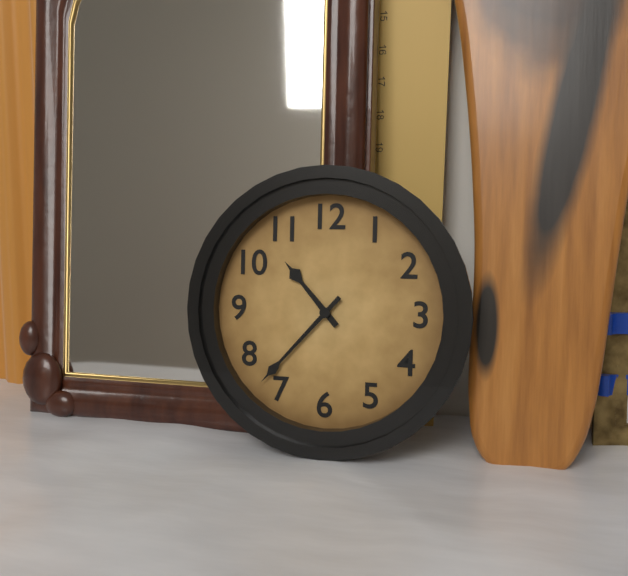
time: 10:37
